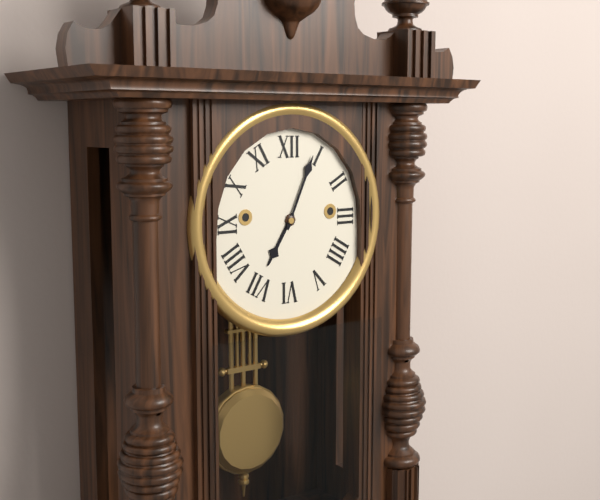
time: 7:04
